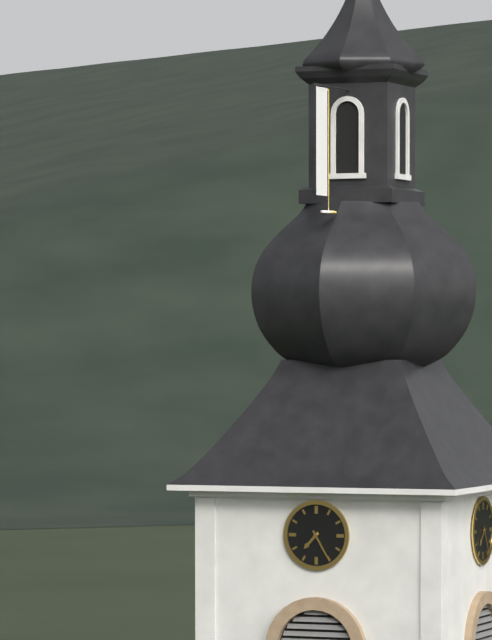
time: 7:25
